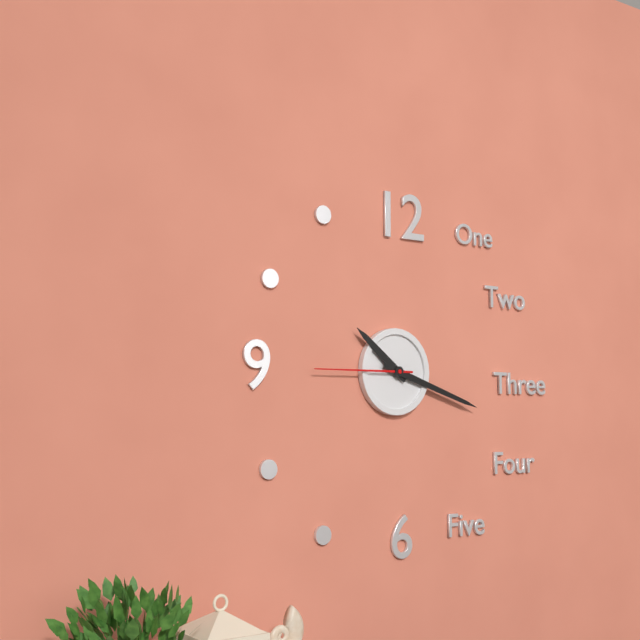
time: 10:18:45
